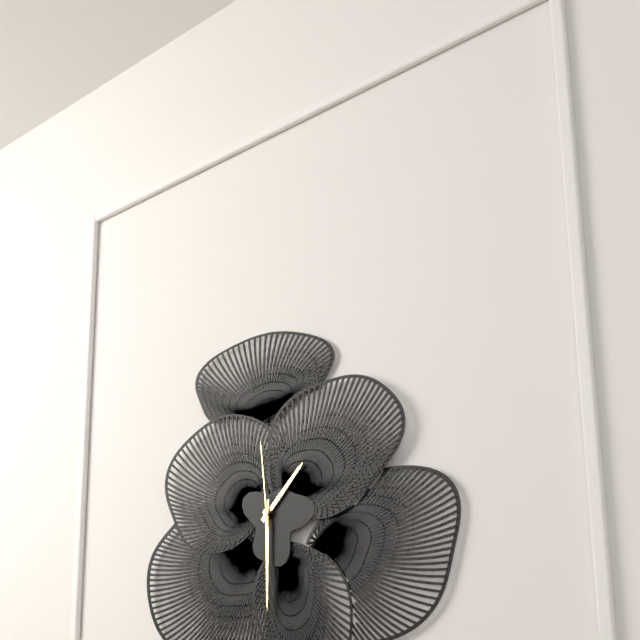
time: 1:30:59
